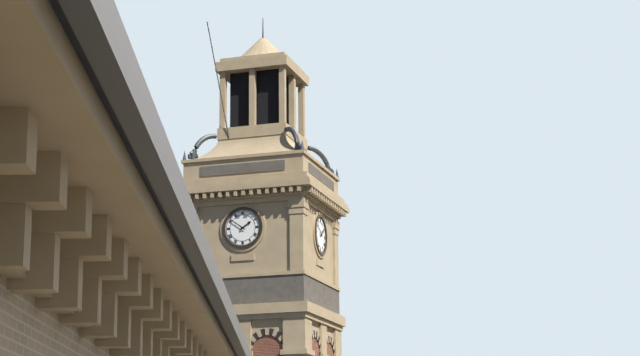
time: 1:51
